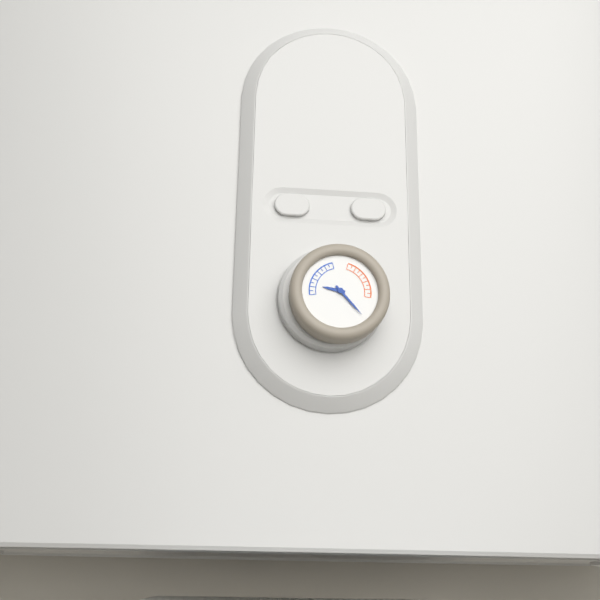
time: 9:23
